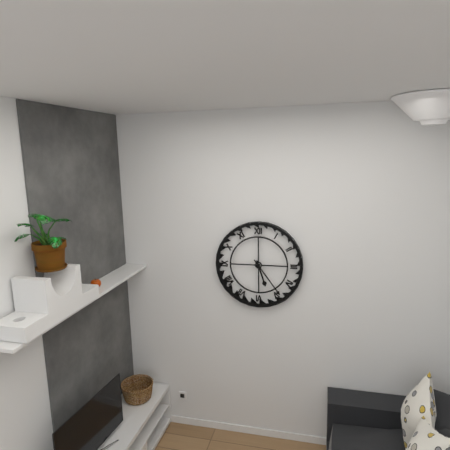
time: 5:24
